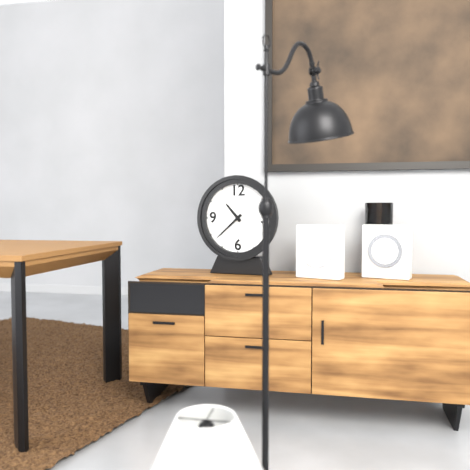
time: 10:38
